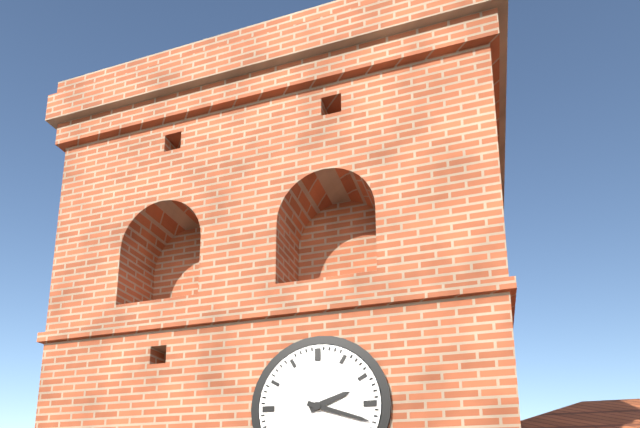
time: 2:18
